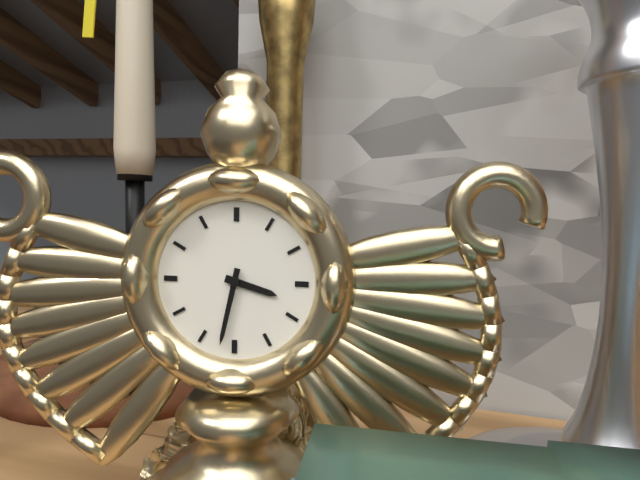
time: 3:32
